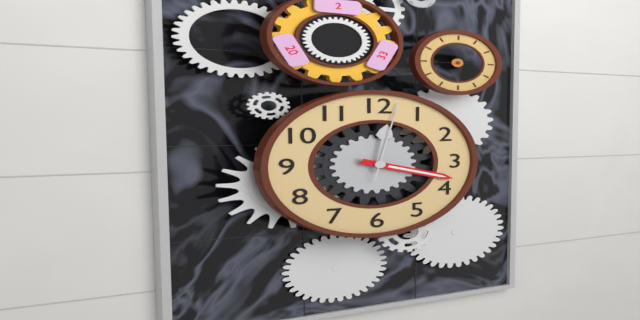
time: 12:18:02
